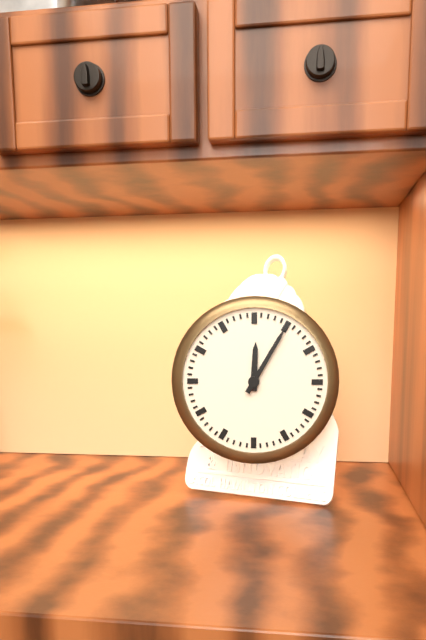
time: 12:05
